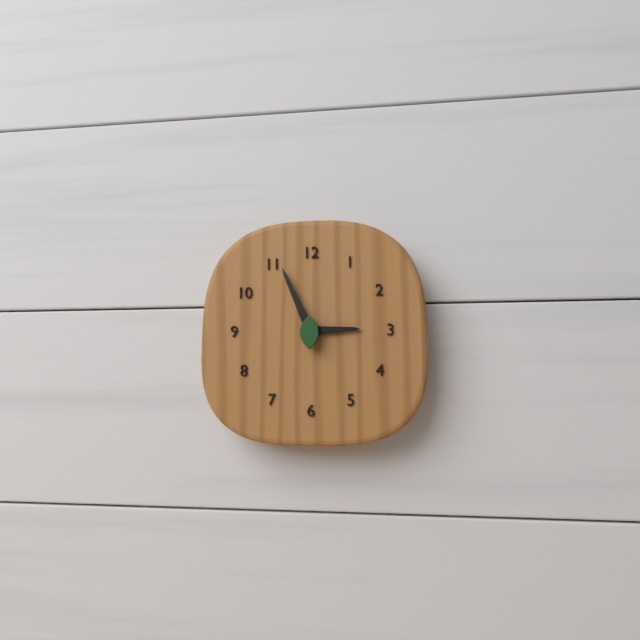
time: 2:56
